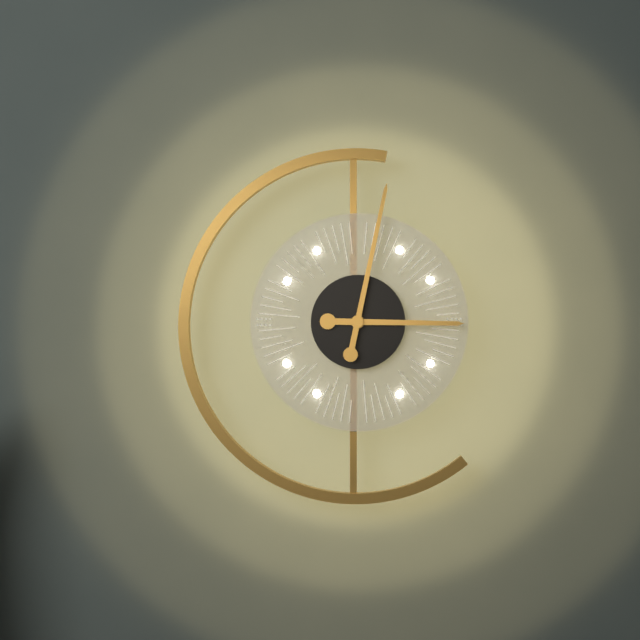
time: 3:02
